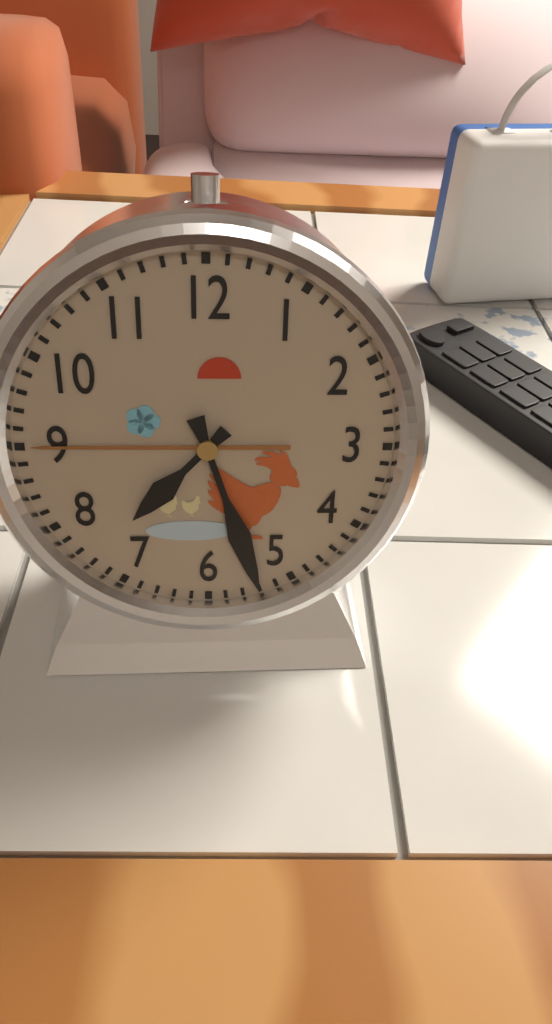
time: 7:27
